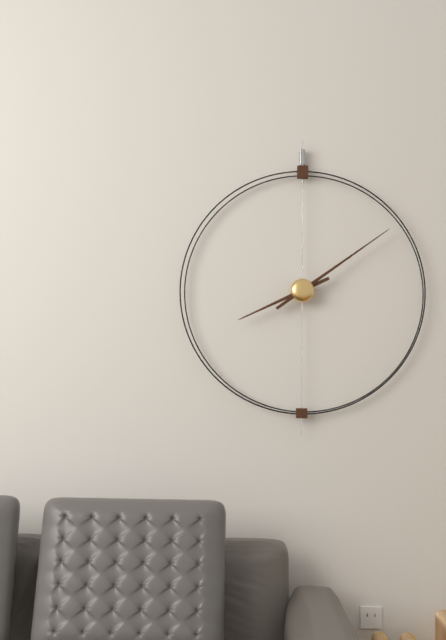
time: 8:09
